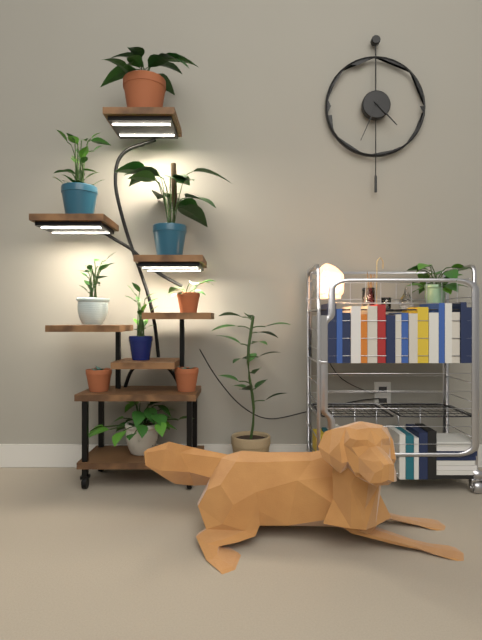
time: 4:34
